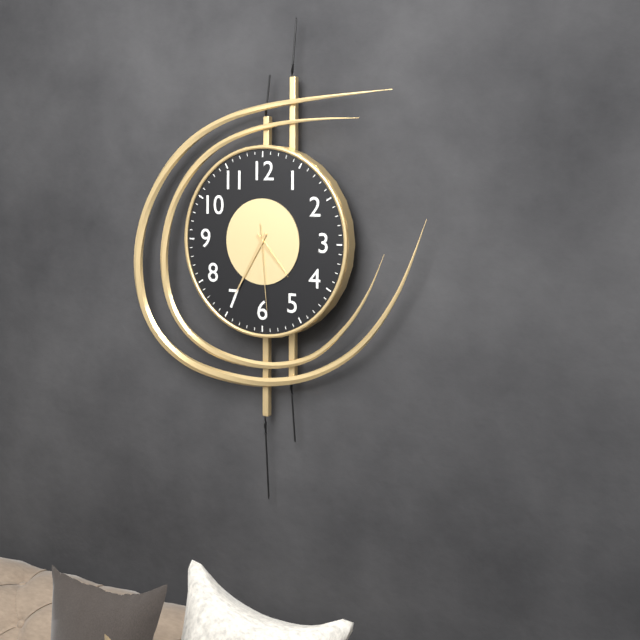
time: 4:35:29
